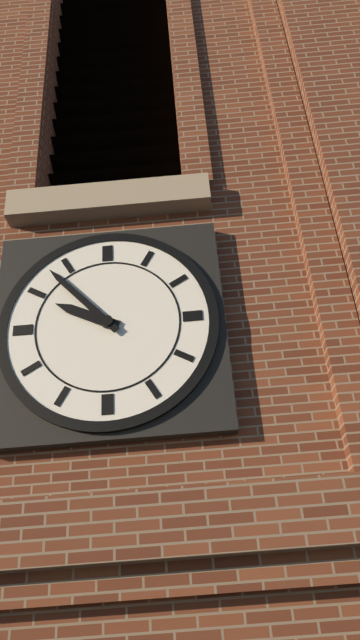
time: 9:53
